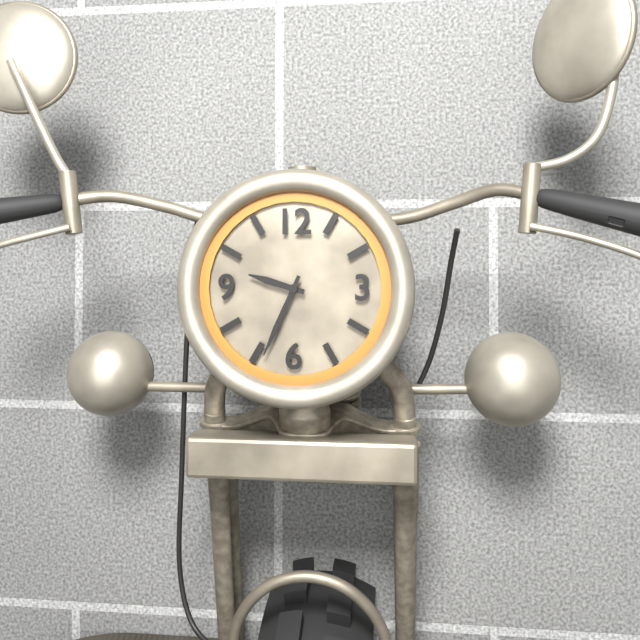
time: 9:34
